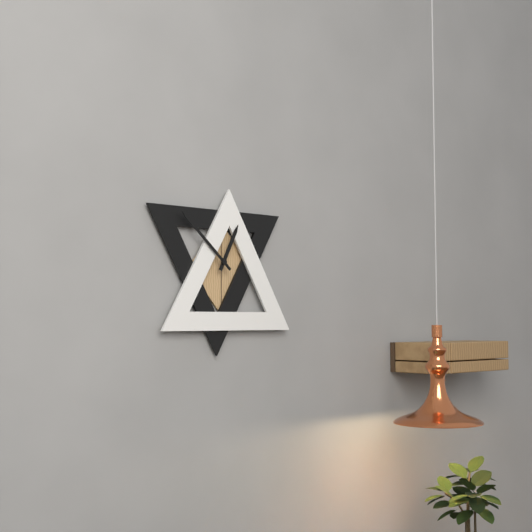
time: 12:52
